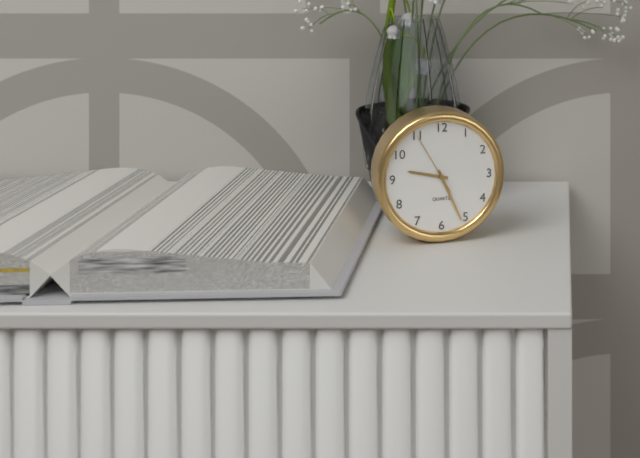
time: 9:26:55
